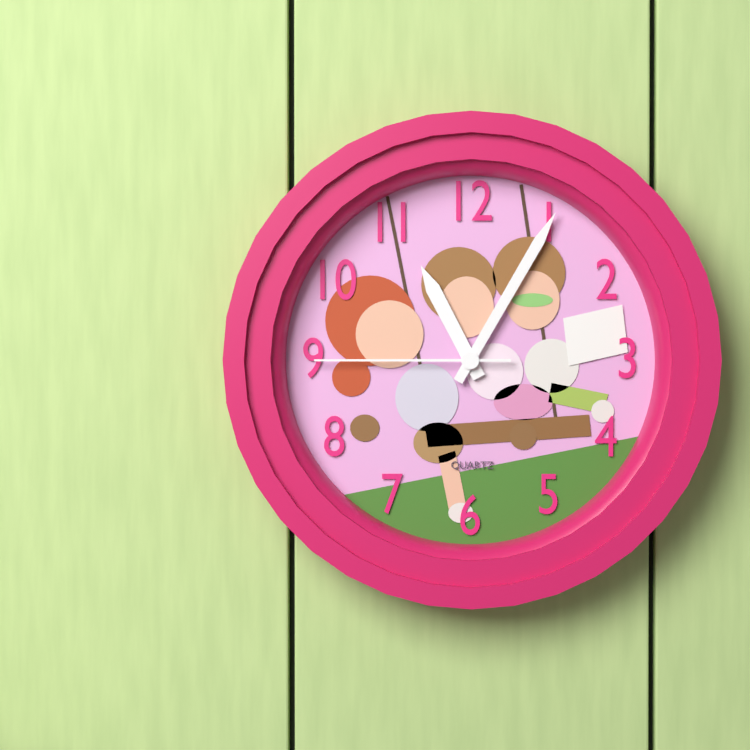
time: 11:05:45
